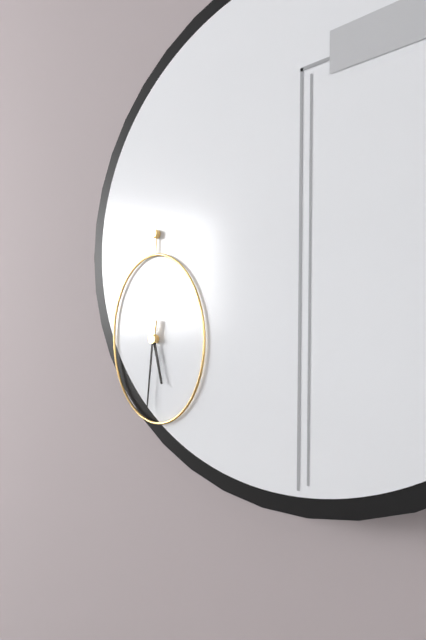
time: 5:31
